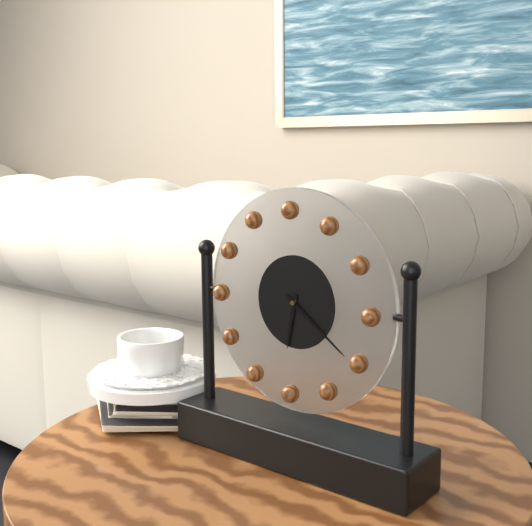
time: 6:21
